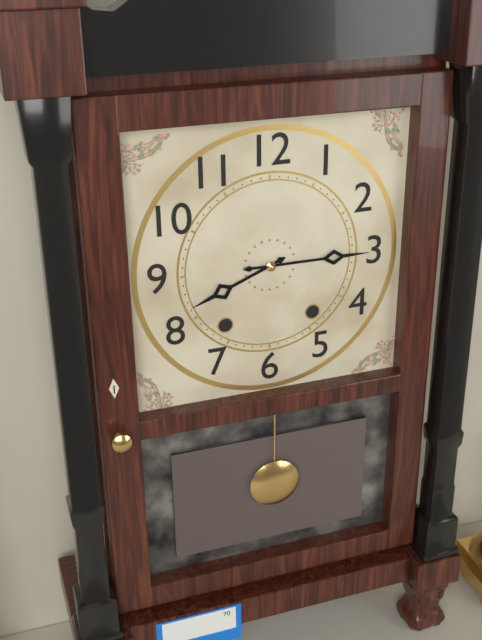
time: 8:15
